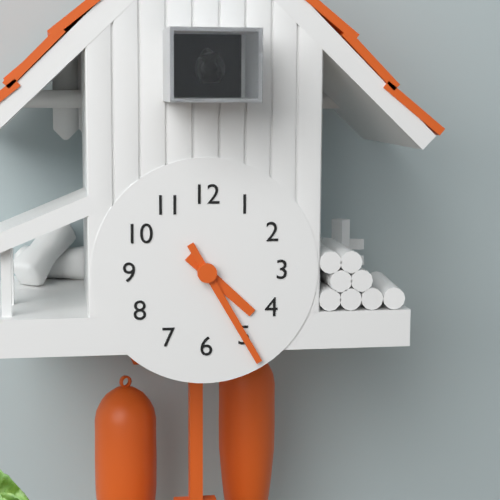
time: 4:25
